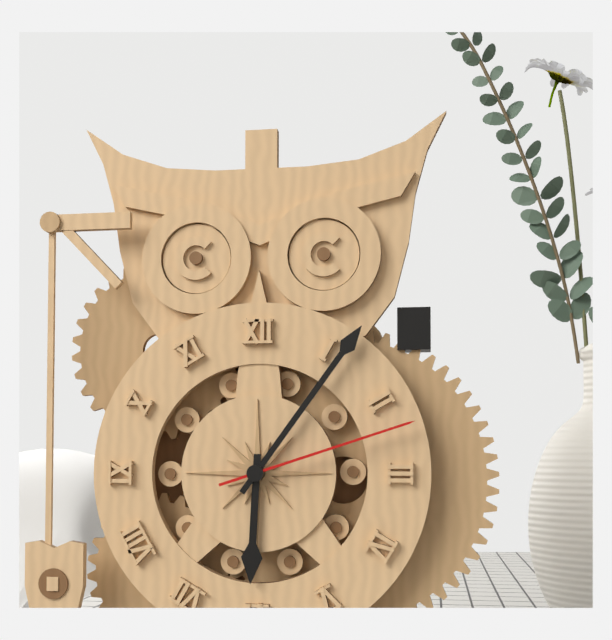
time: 6:06:12
